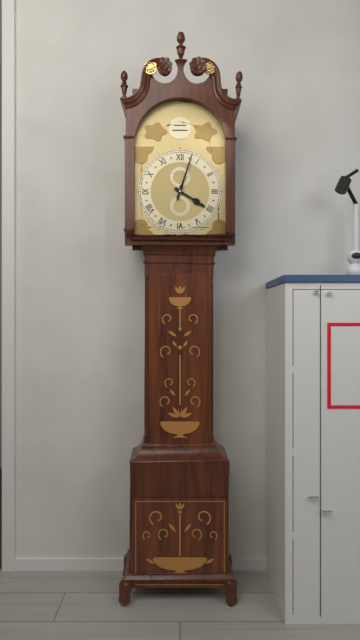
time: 4:03
